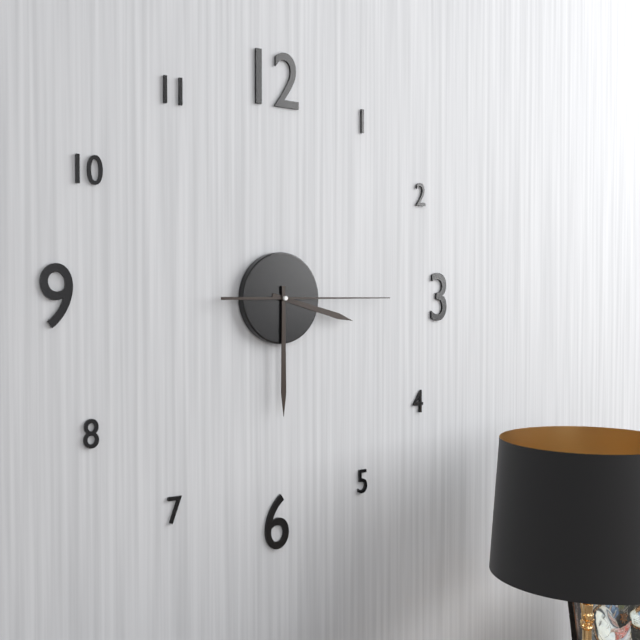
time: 3:30:15
